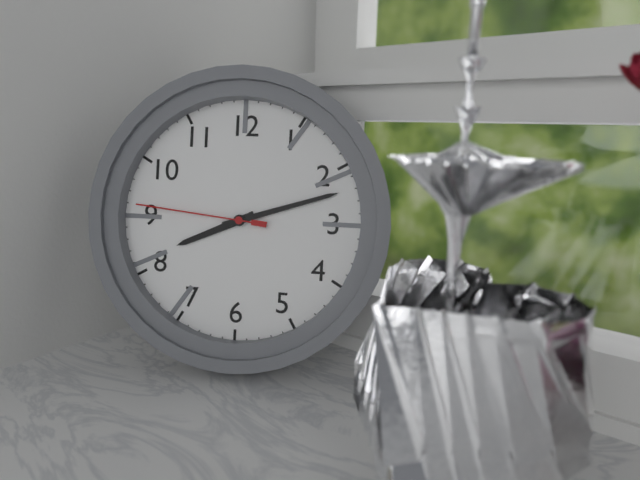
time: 8:12:46
